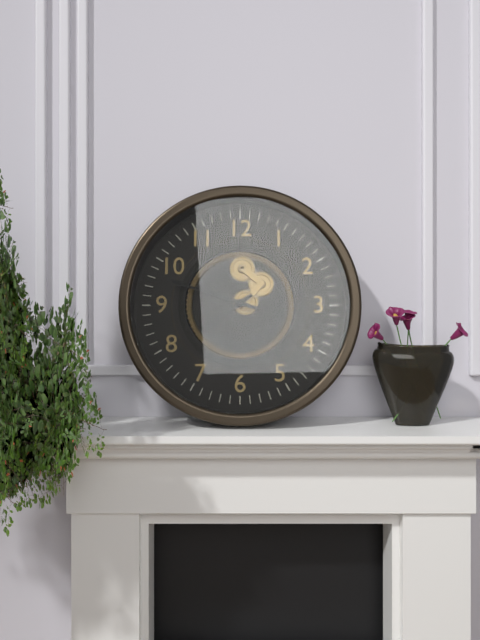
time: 7:48
